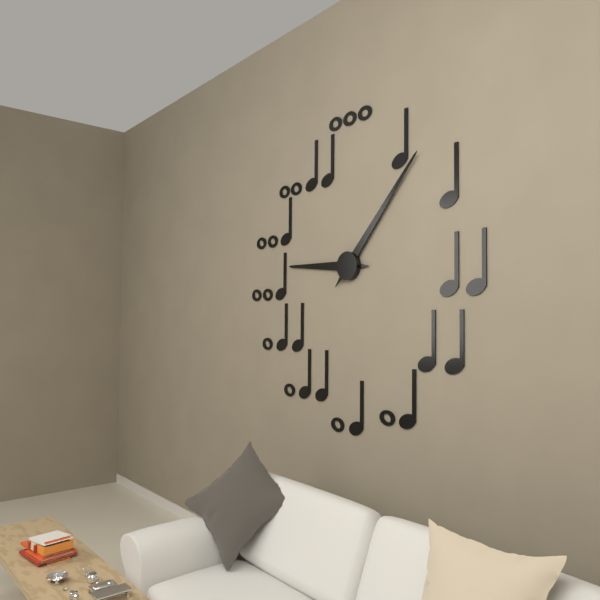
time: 9:07
